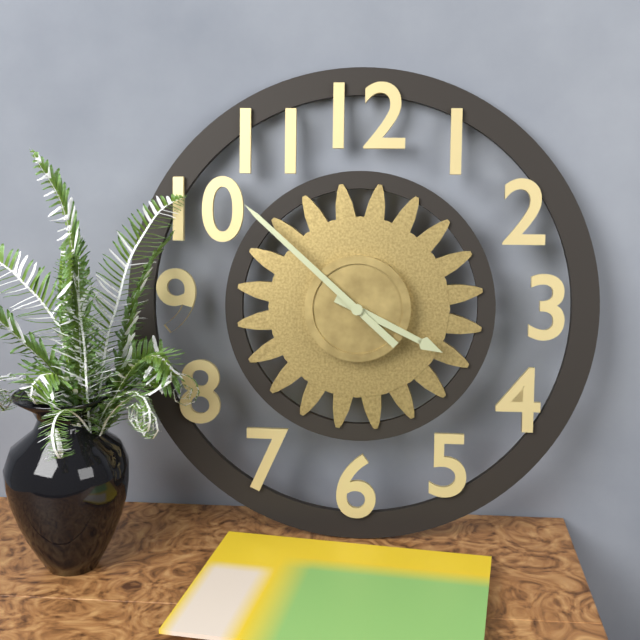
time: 3:52
